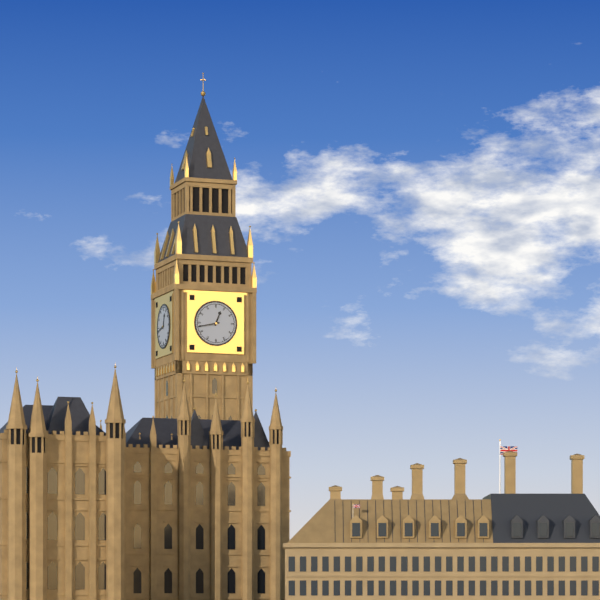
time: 12:43
